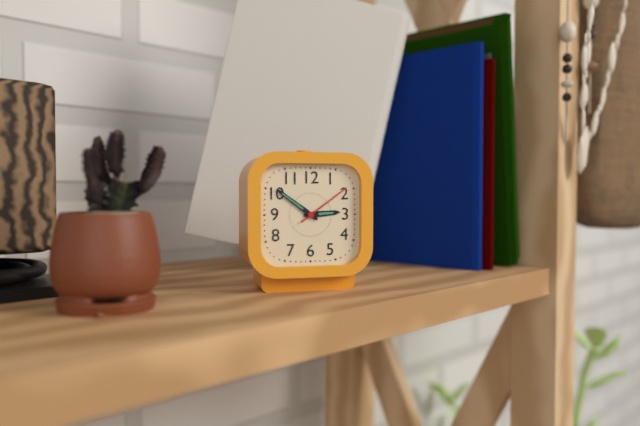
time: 2:51:09
